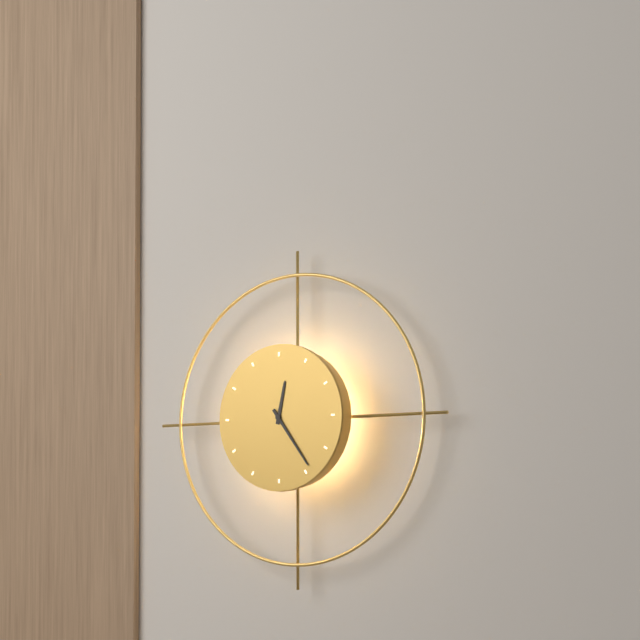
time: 12:24
